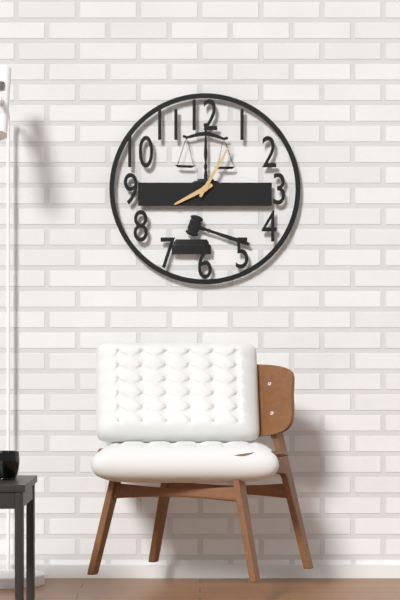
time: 8:05
